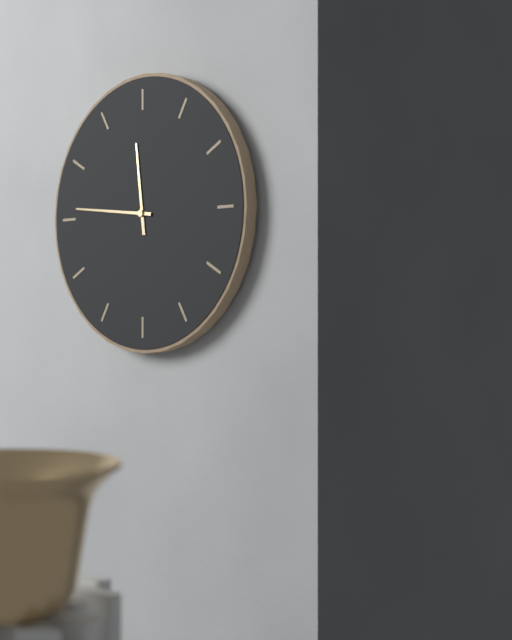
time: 11:46
